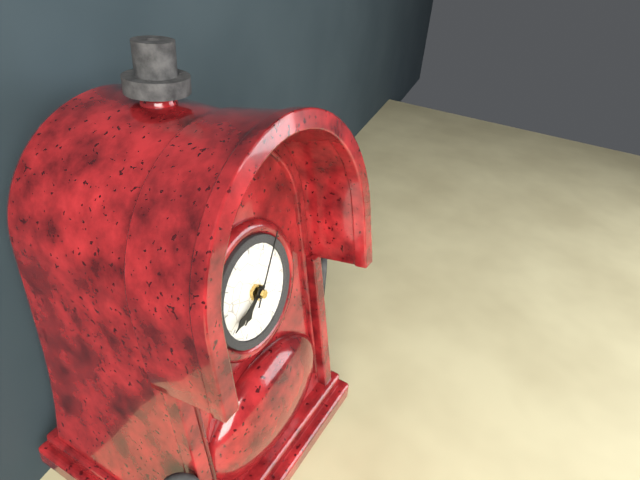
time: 7:41:06
